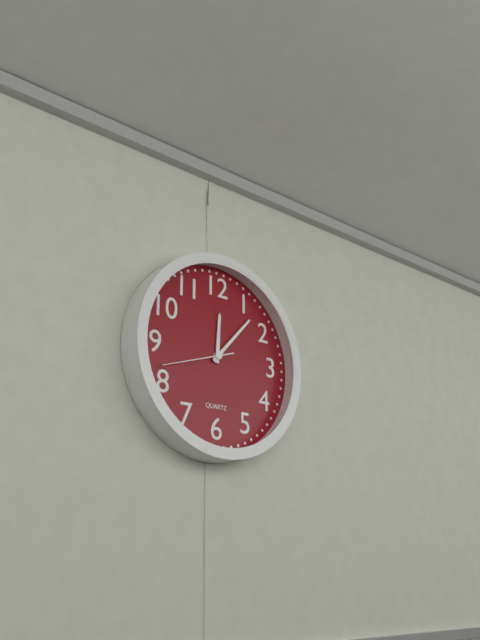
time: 12:07:42
